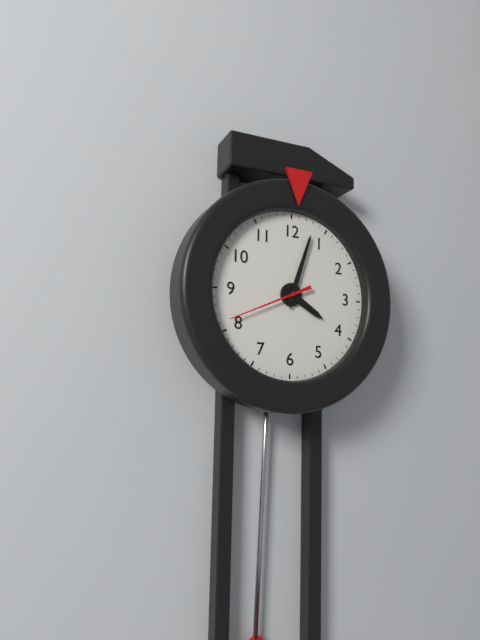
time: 4:03:41
